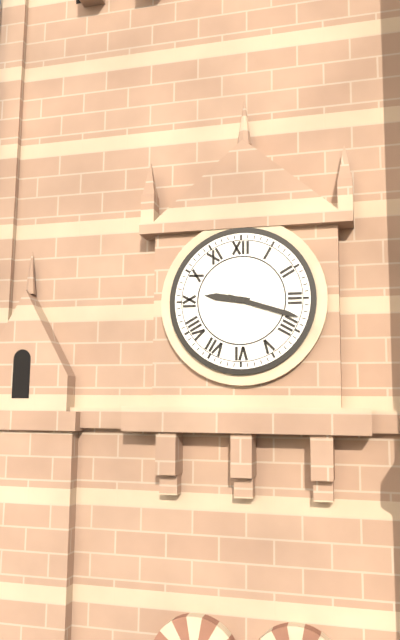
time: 9:18
